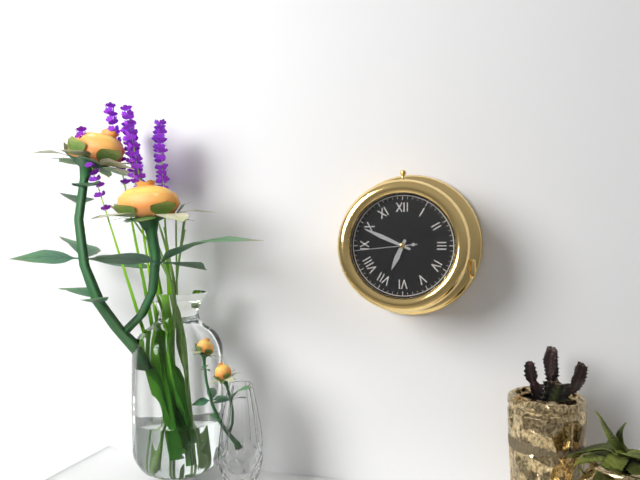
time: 6:49:44
